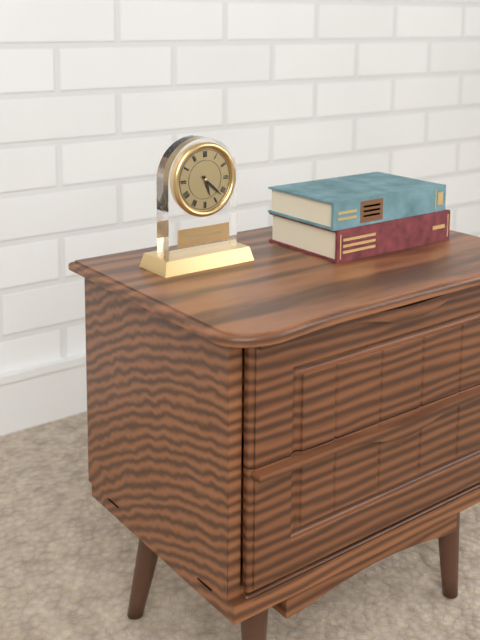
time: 5:22
